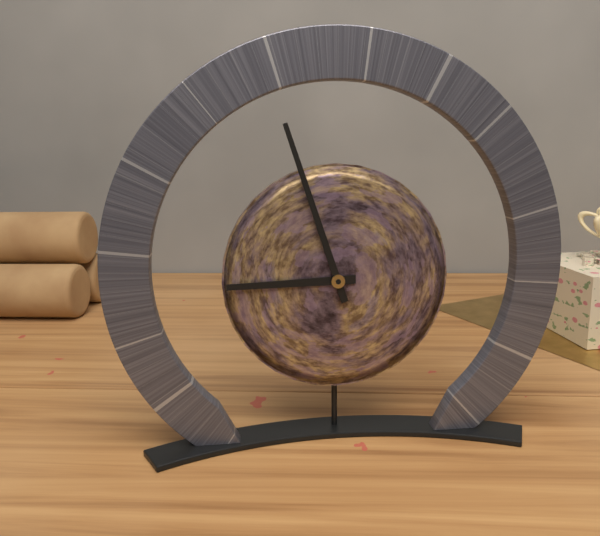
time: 8:57
